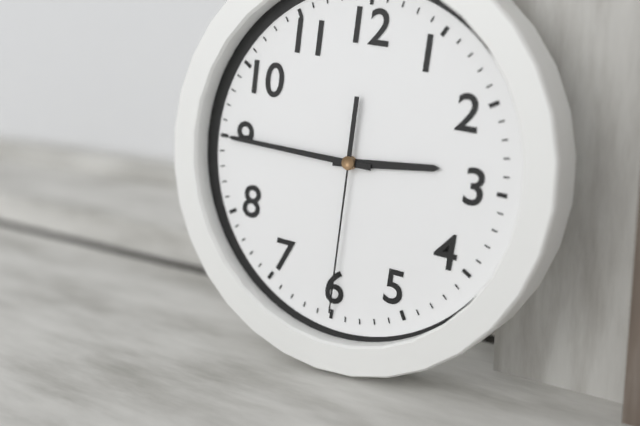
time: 2:45:30
